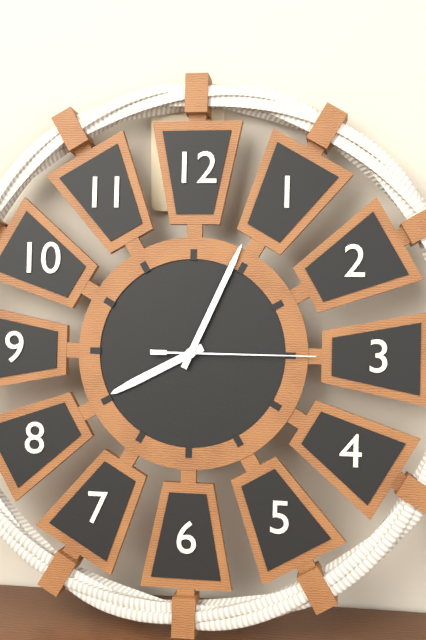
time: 8:04:15
